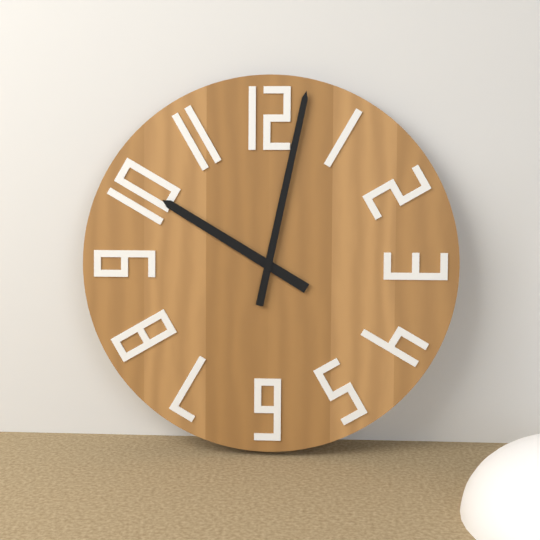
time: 10:02
